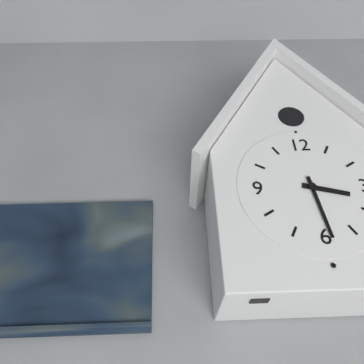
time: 3:29
